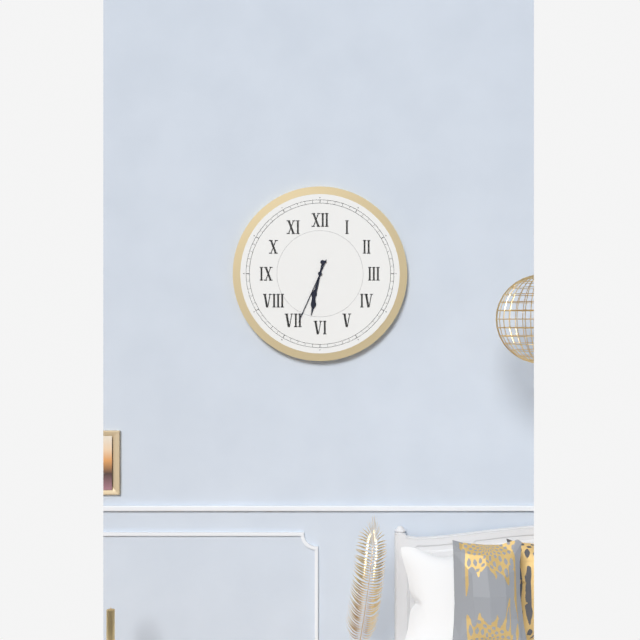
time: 6:32:34
